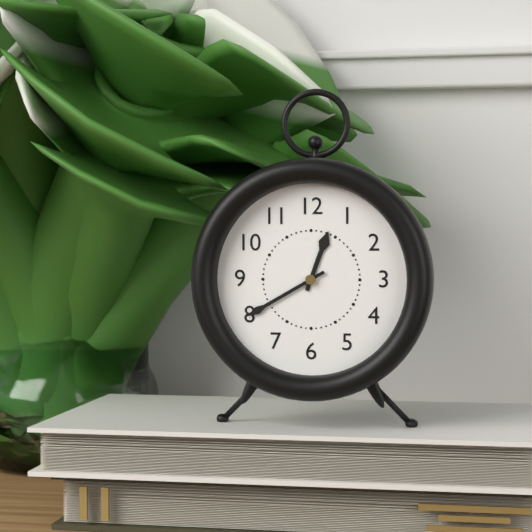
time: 12:40
